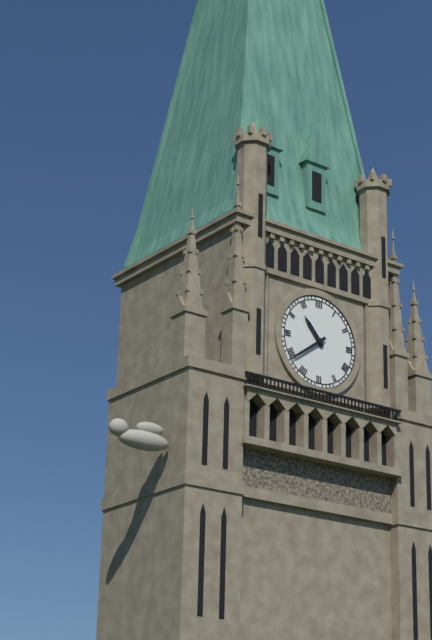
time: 10:39
